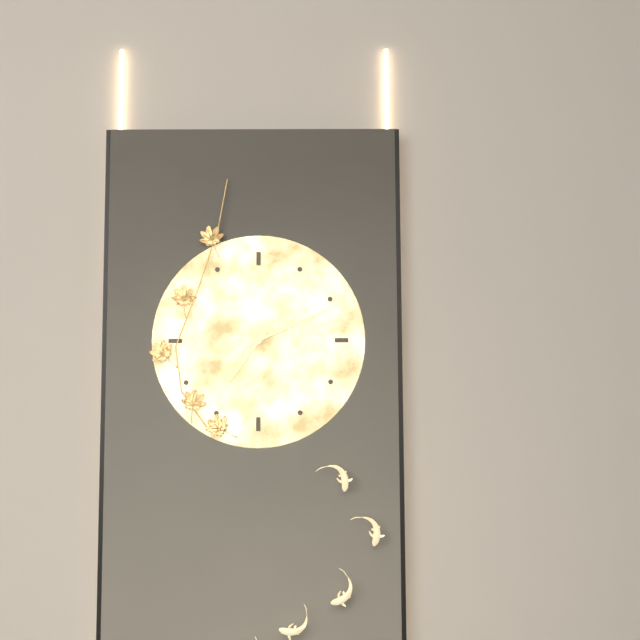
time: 7:11
